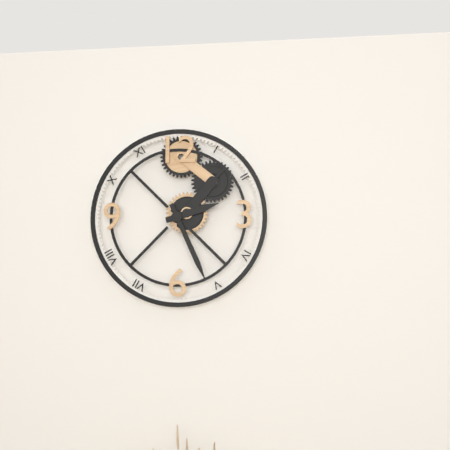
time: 2:26
